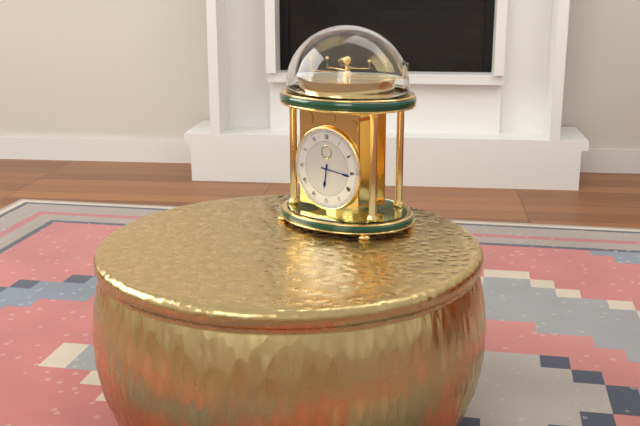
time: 6:16
